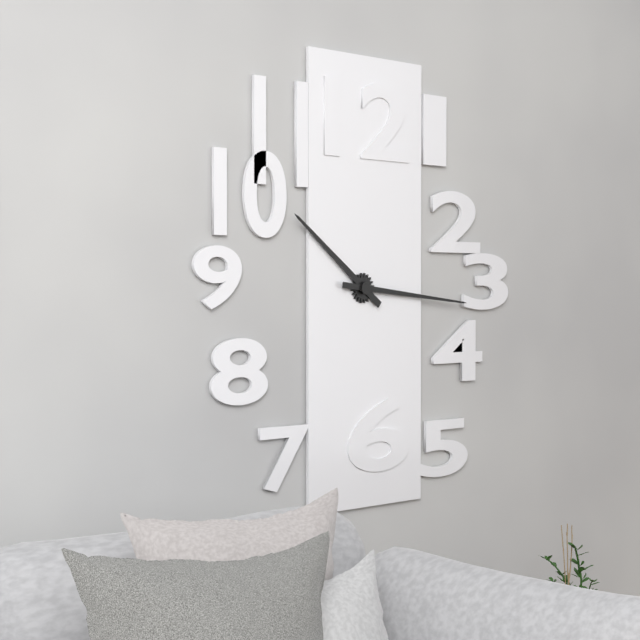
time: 10:16
